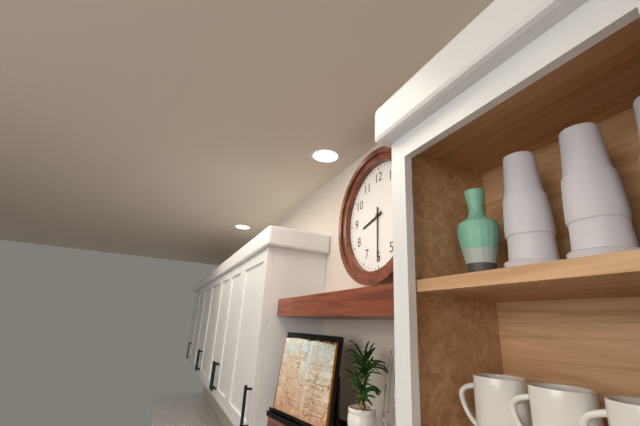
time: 8:30
